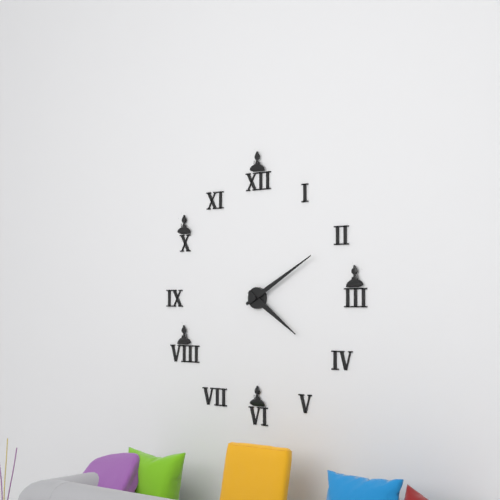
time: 4:10
